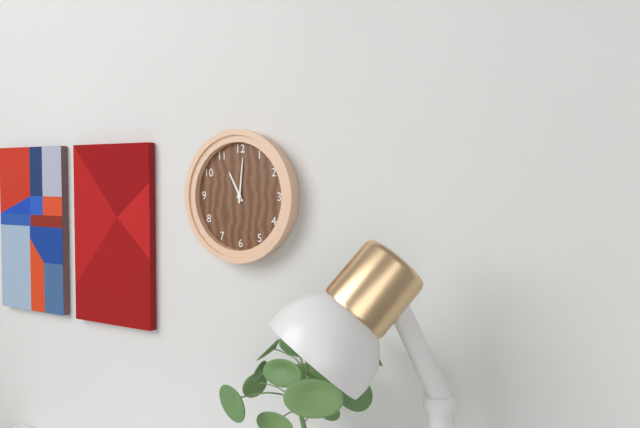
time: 11:01
